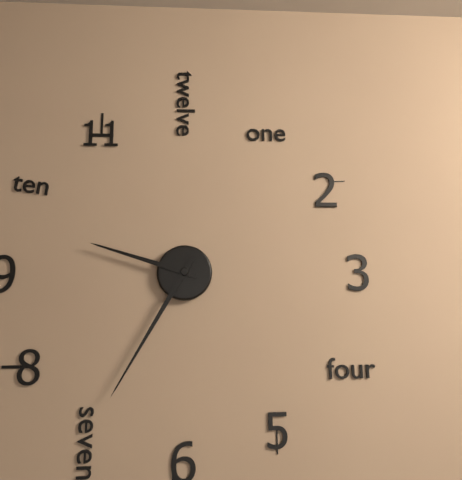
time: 9:35
